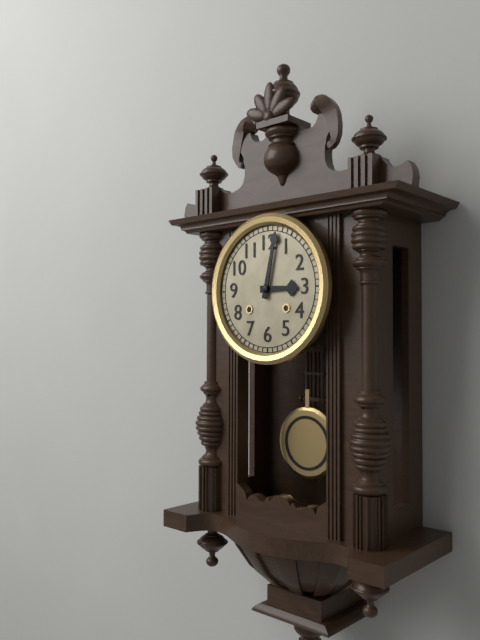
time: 3:02
